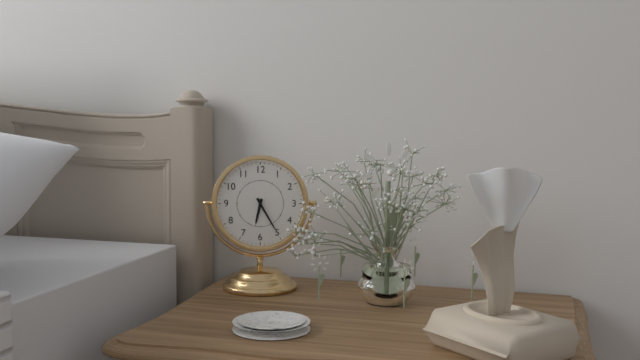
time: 6:25
